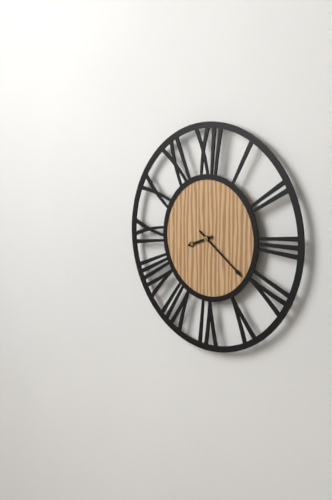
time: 8:21
